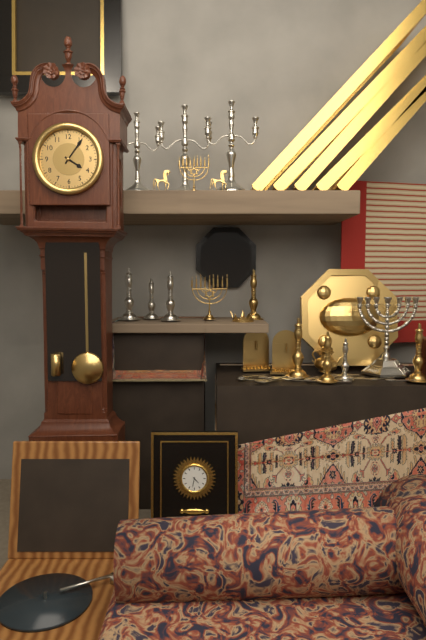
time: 4:06
